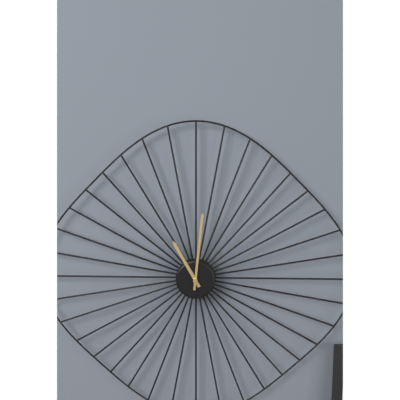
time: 11:01
